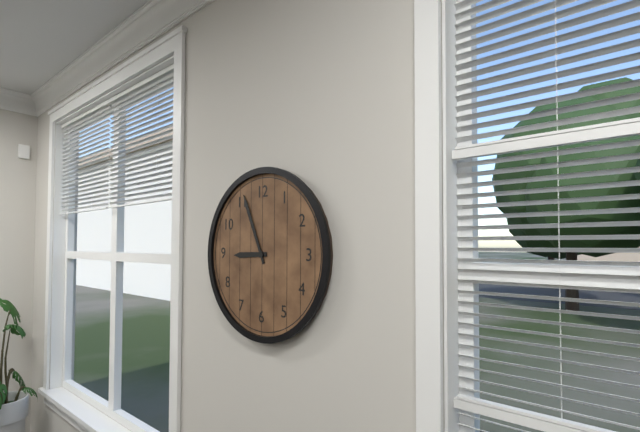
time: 8:56
